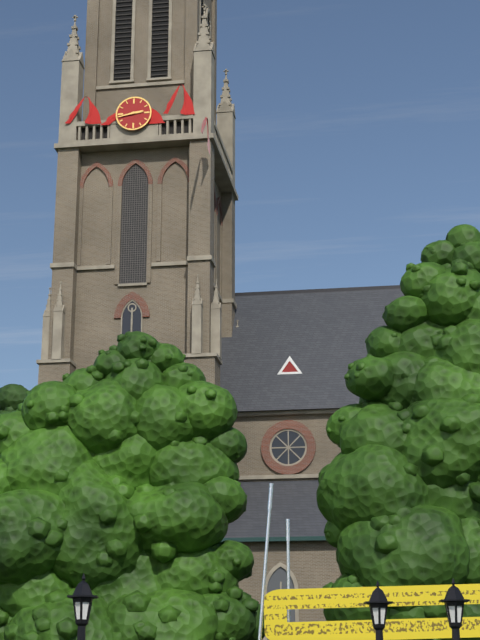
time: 2:43
